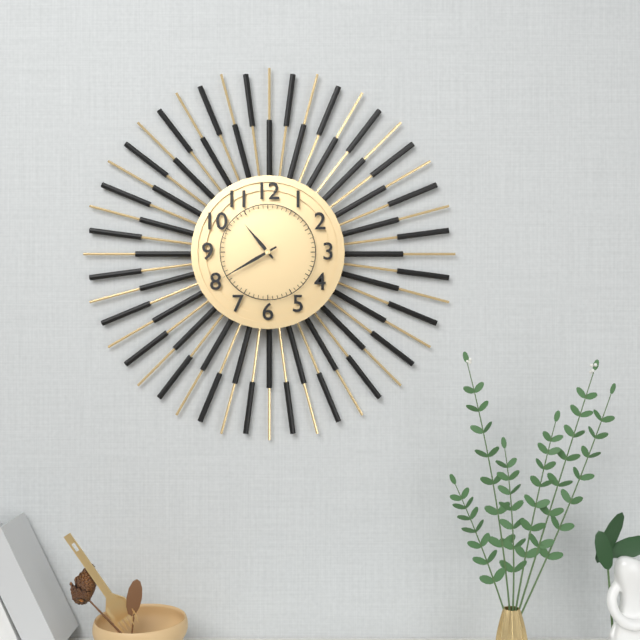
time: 10:40
